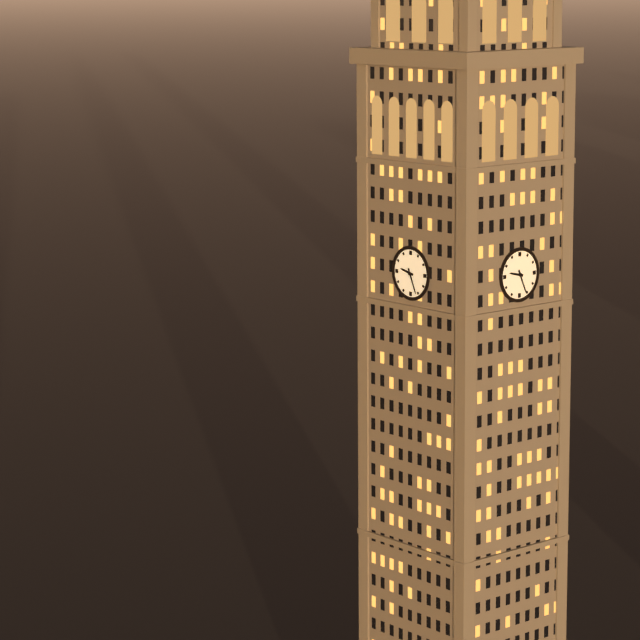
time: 9:26
